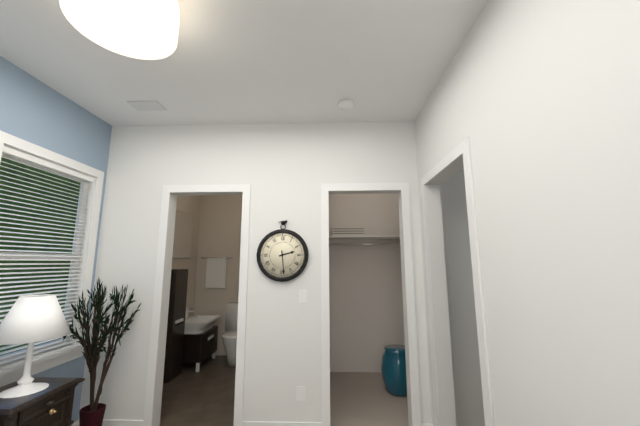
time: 2:29
